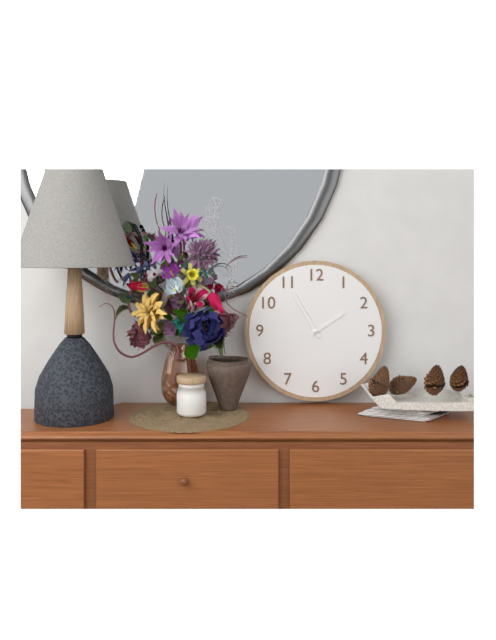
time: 1:55
